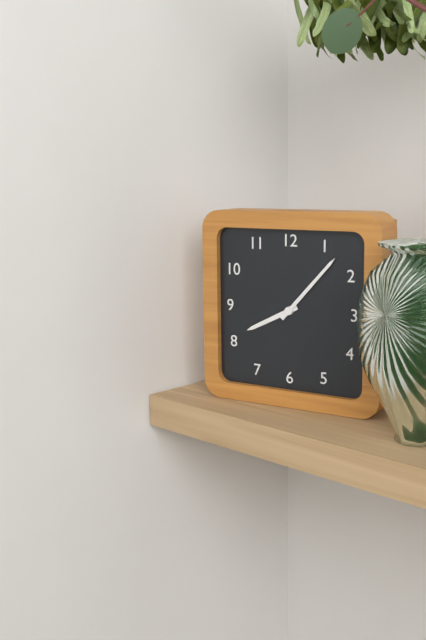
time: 8:07
